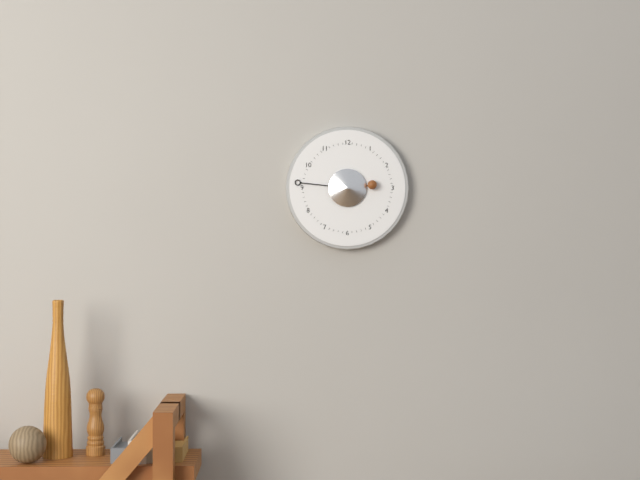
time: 2:46
